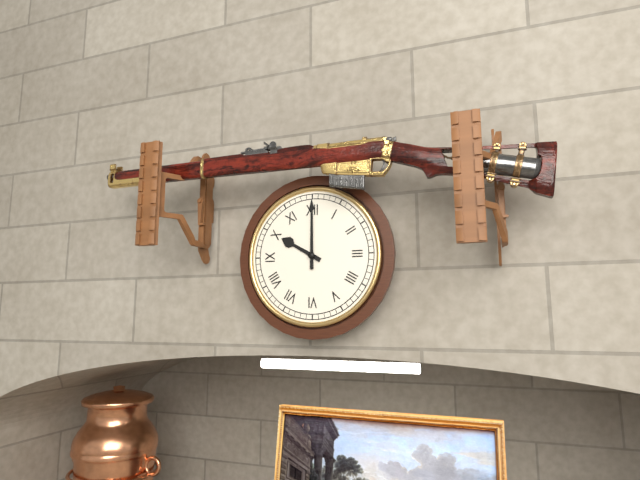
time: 10:00
